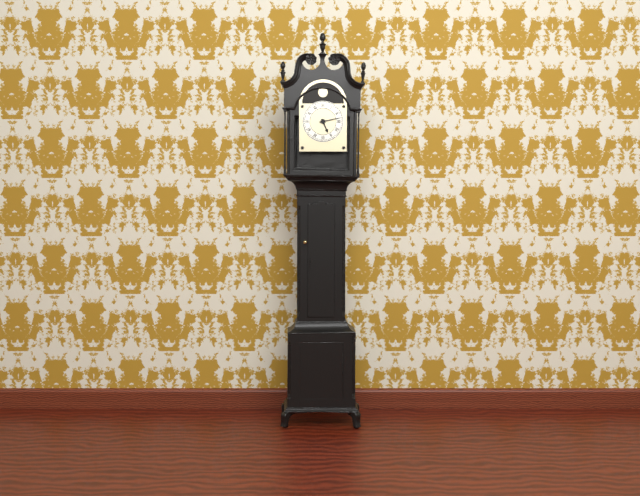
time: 5:13
